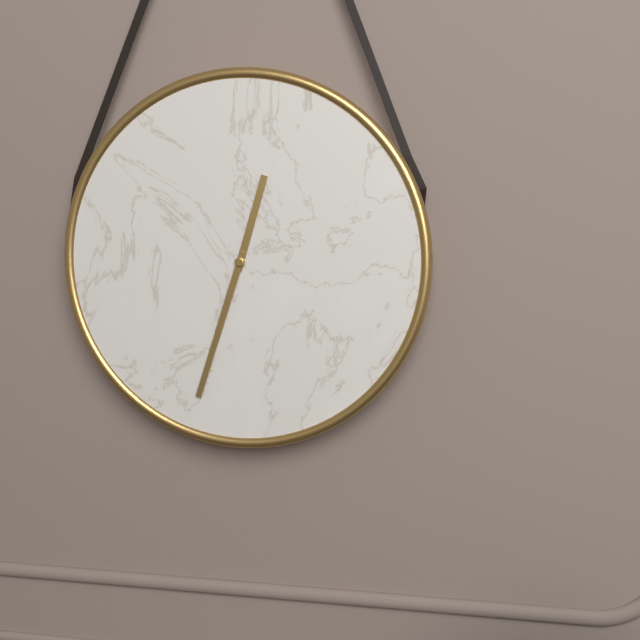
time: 12:33
